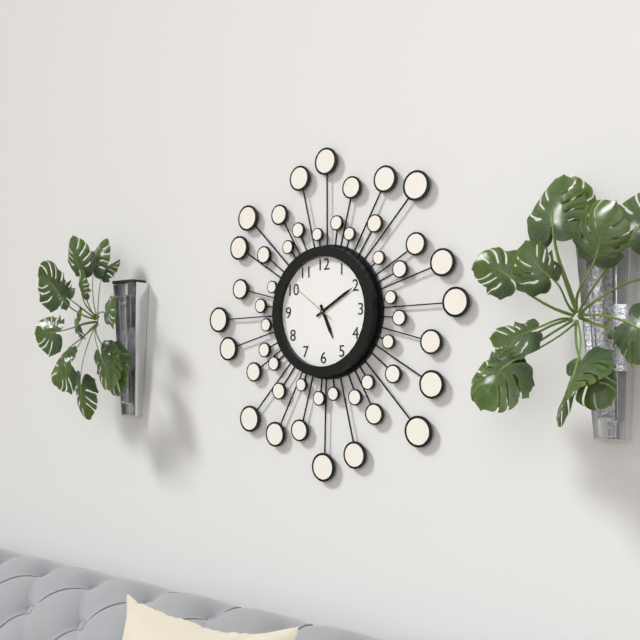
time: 5:10
